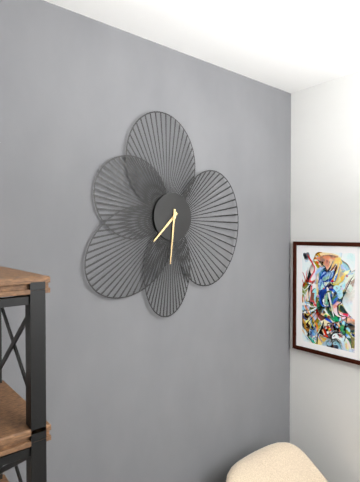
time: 7:31
